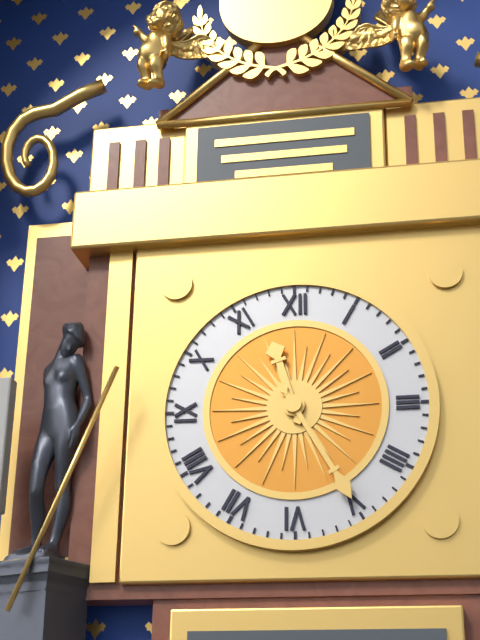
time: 11:25
